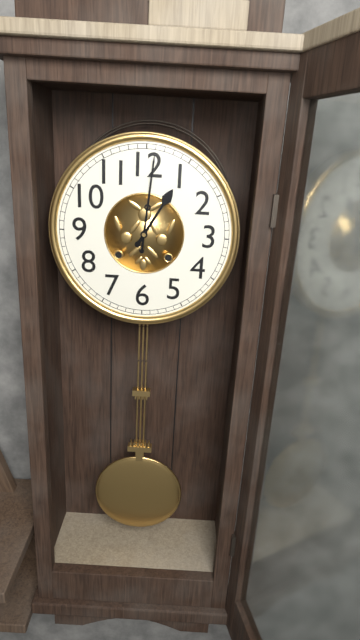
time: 1:01
